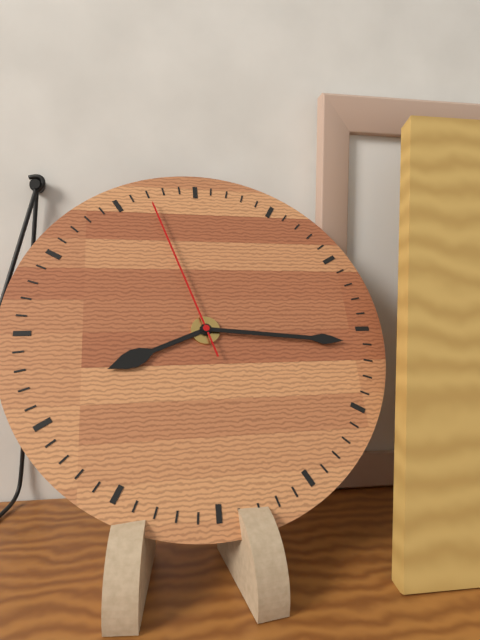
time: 8:16:57
